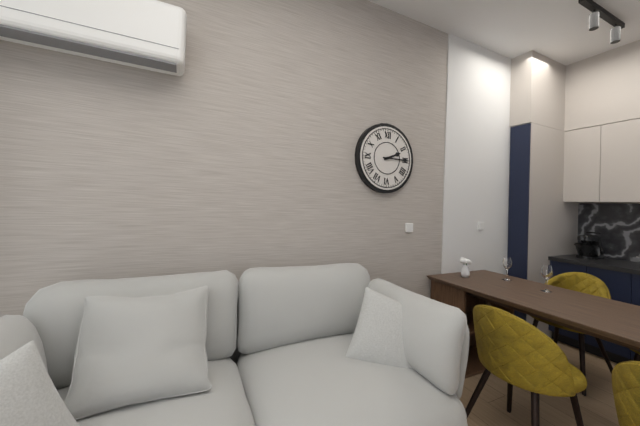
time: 2:15
